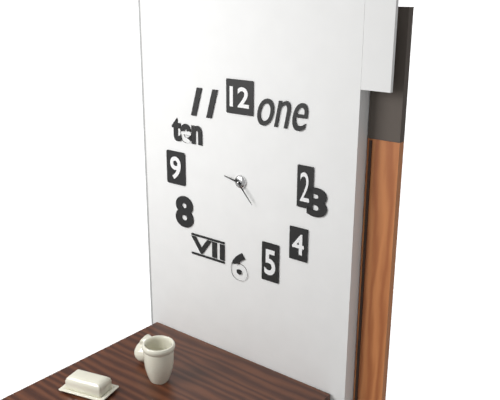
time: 9:23
